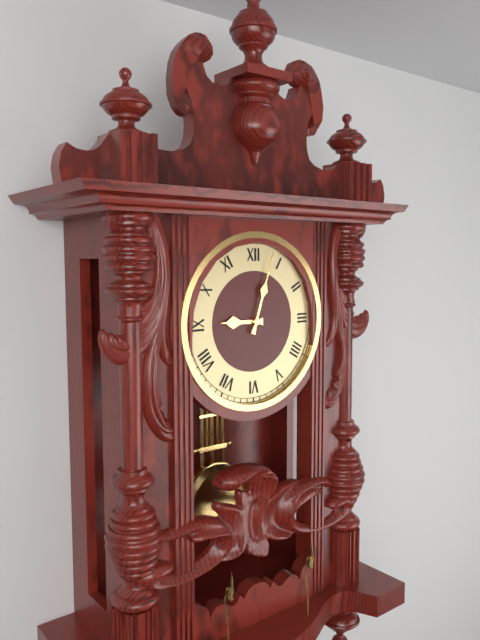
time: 9:03
